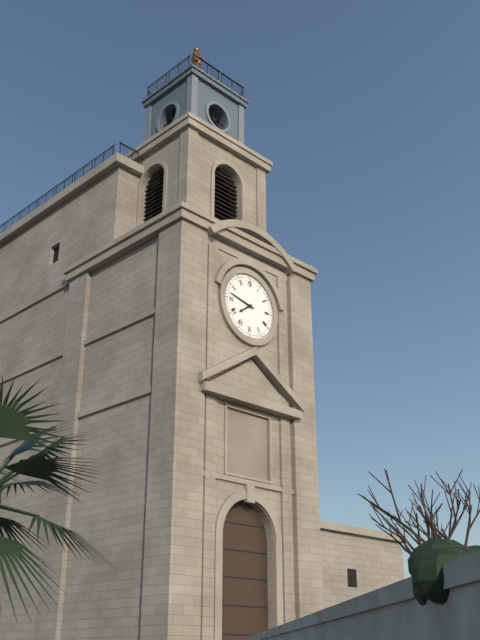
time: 7:47
